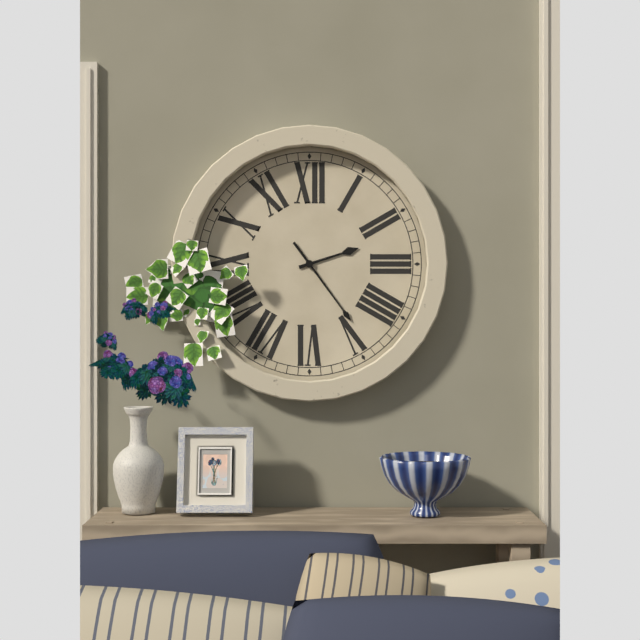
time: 2:24
